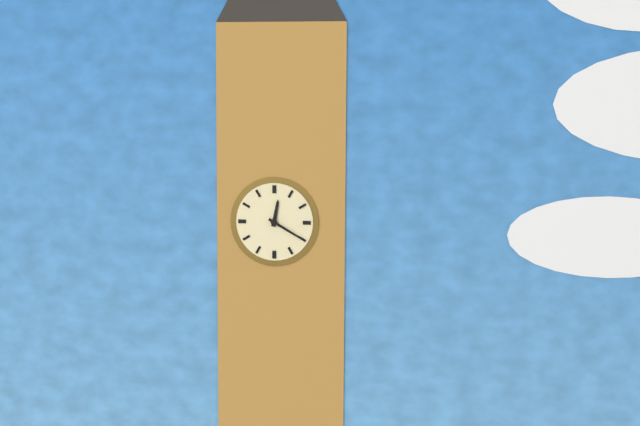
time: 12:20
